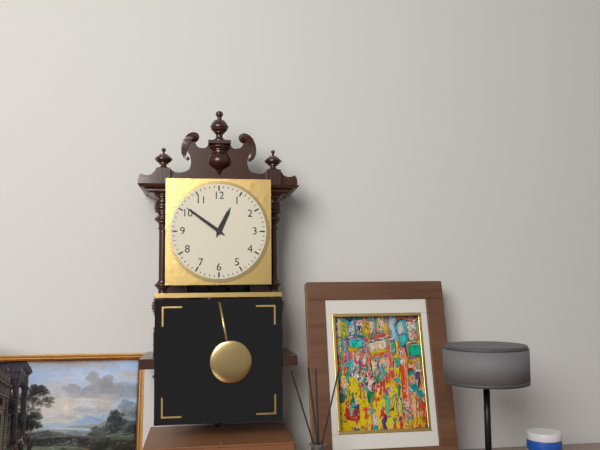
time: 12:51
